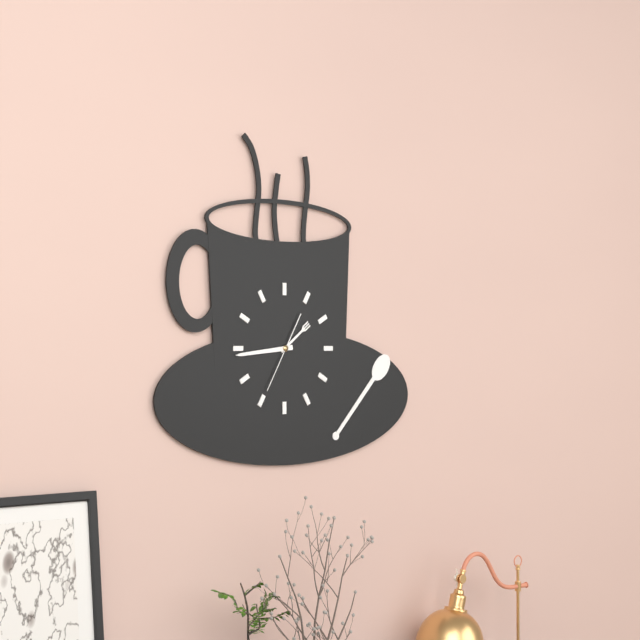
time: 1:44:35
